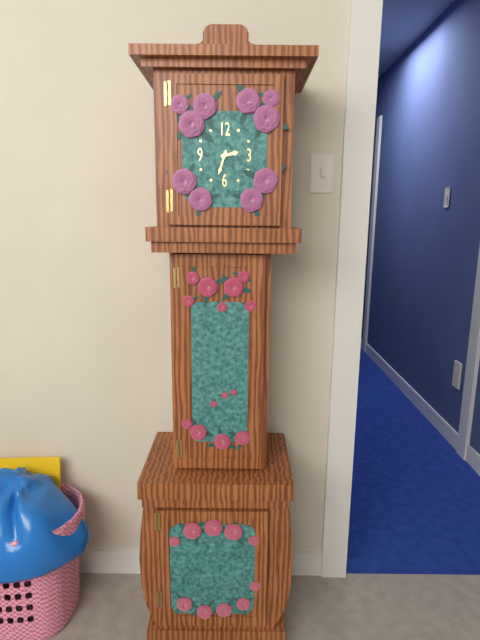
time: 2:33
